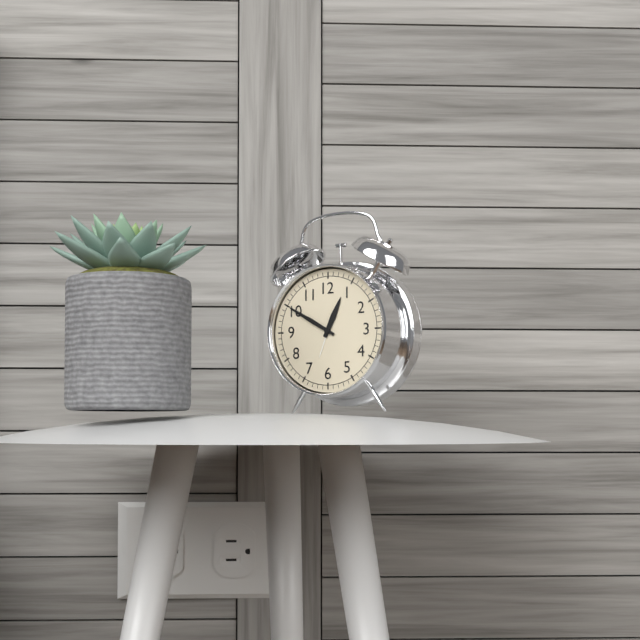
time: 12:50
